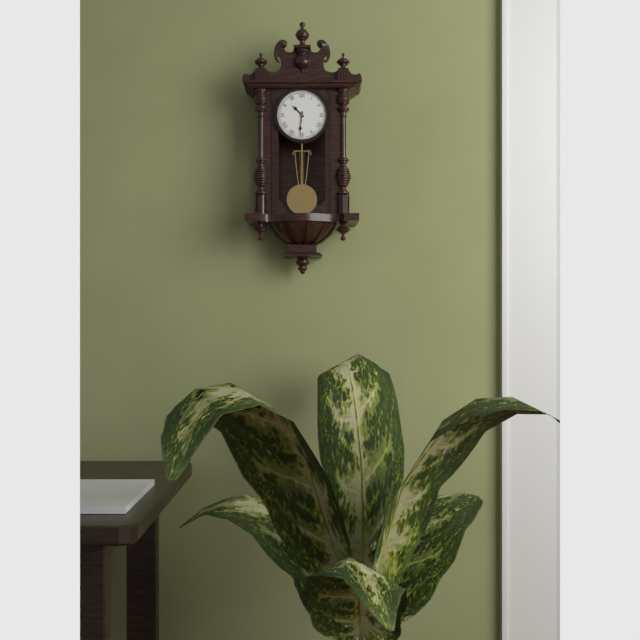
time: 10:31
